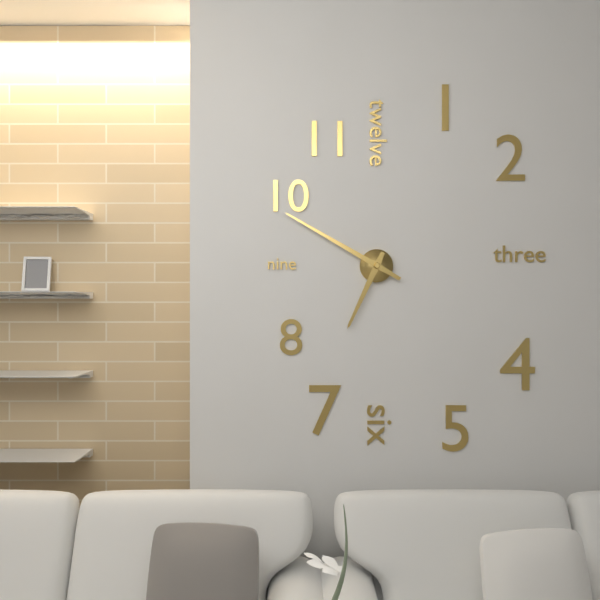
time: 6:50
